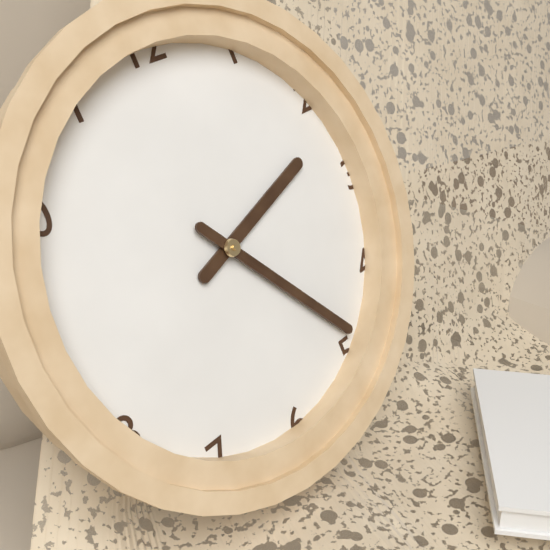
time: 2:24
